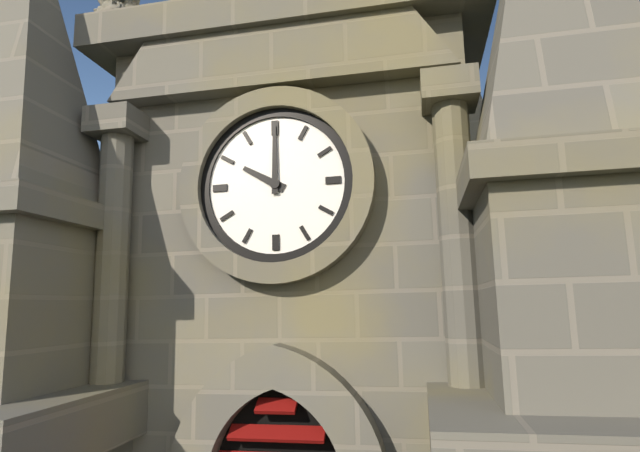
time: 10:00
